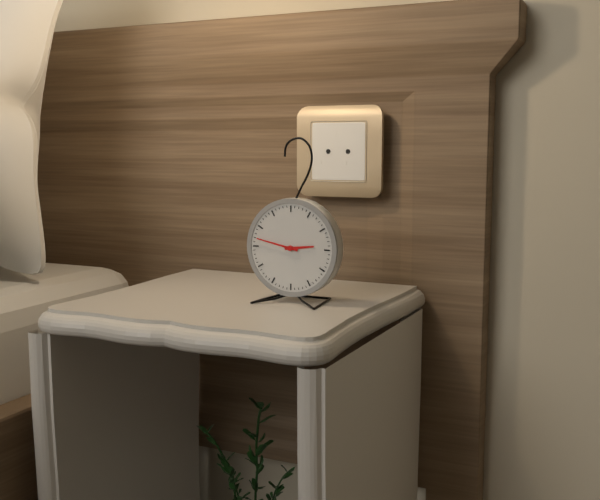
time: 2:47
